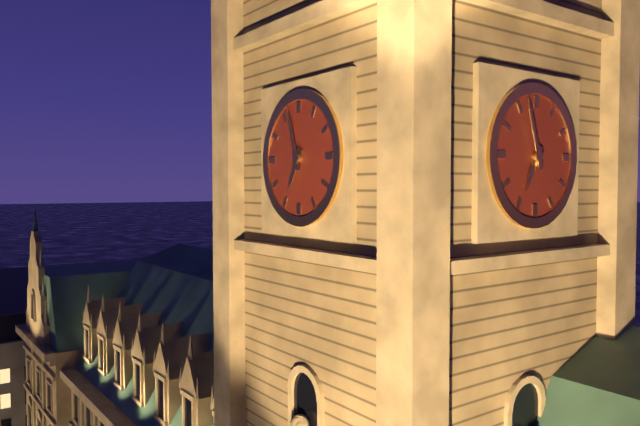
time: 6:57
